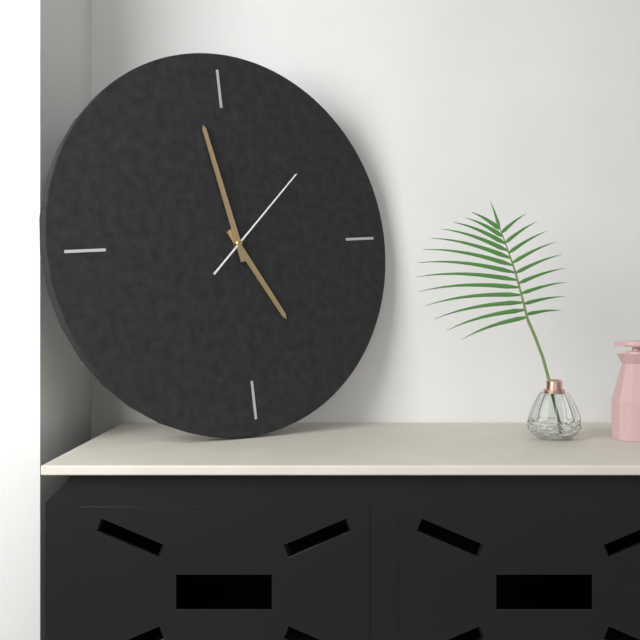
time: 4:58:08
